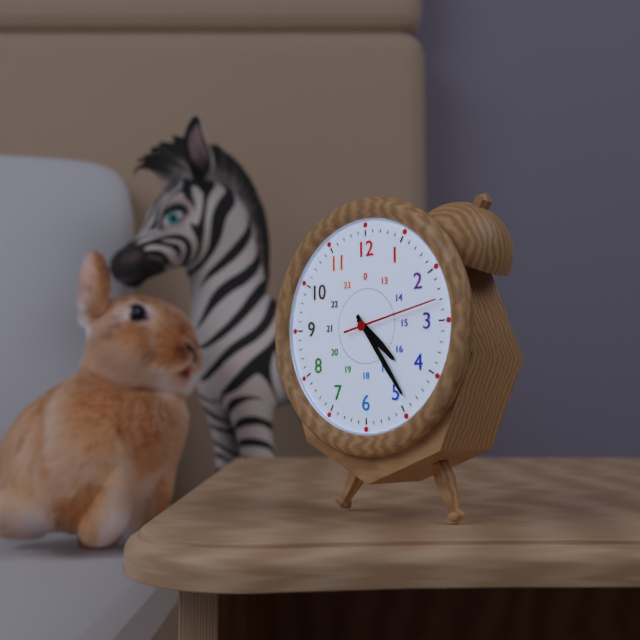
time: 4:24:13
